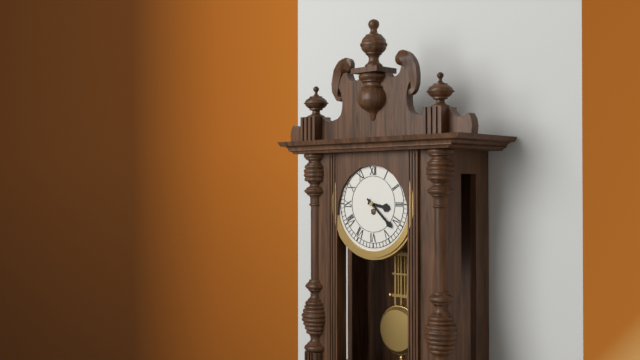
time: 3:22
